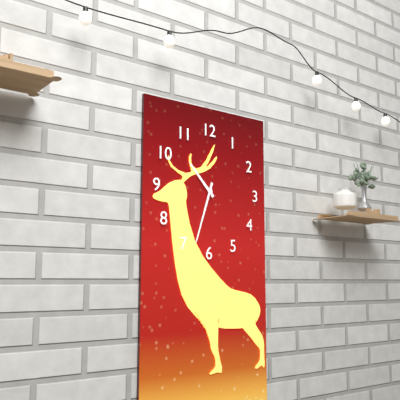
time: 10:33
